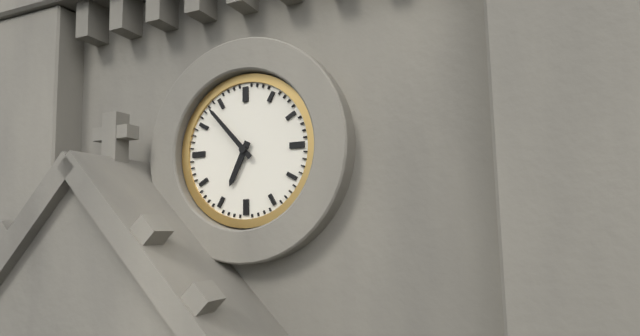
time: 6:53
